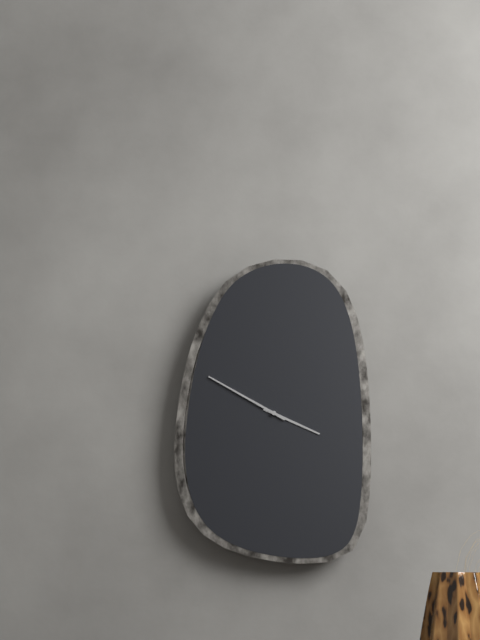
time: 3:50
